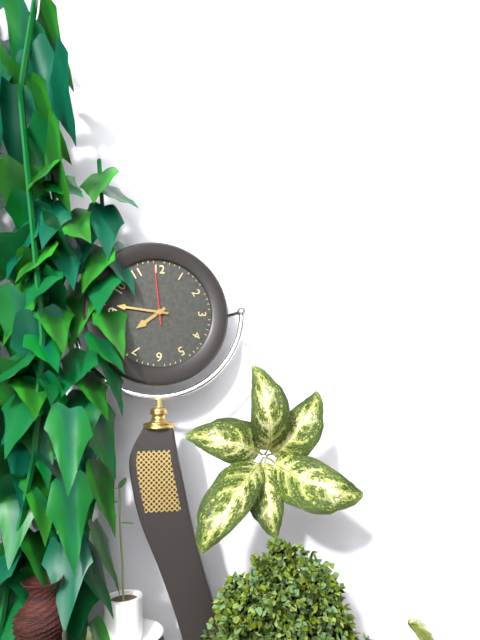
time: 7:46:59
